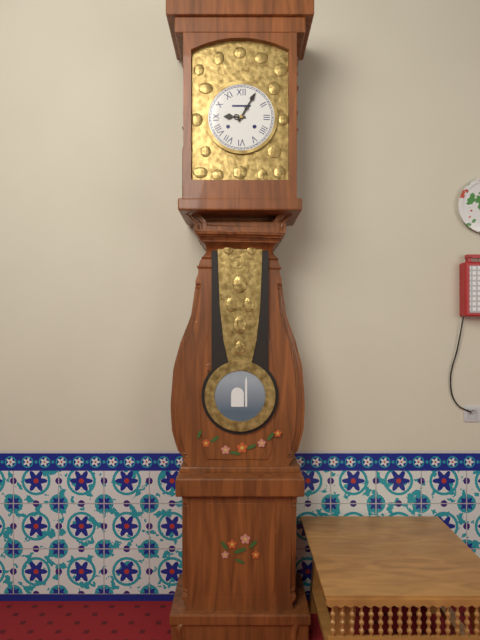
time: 9:05
